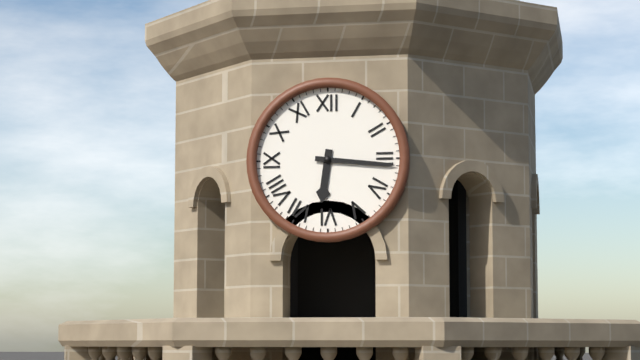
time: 6:16
